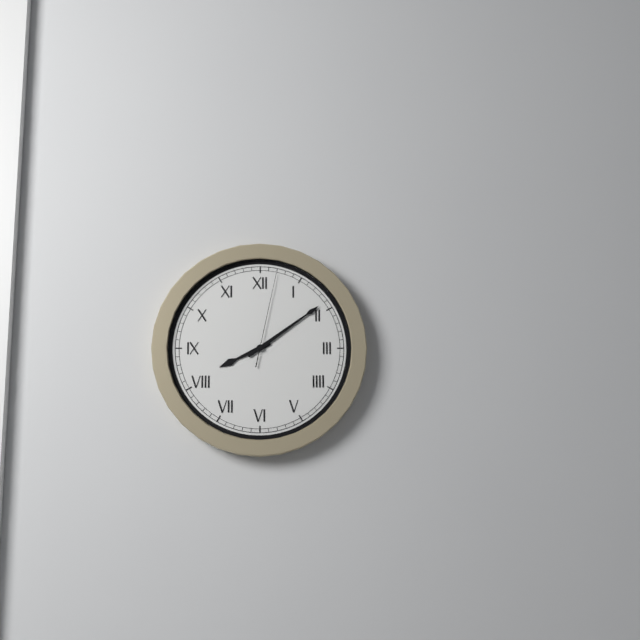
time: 8:09:02
